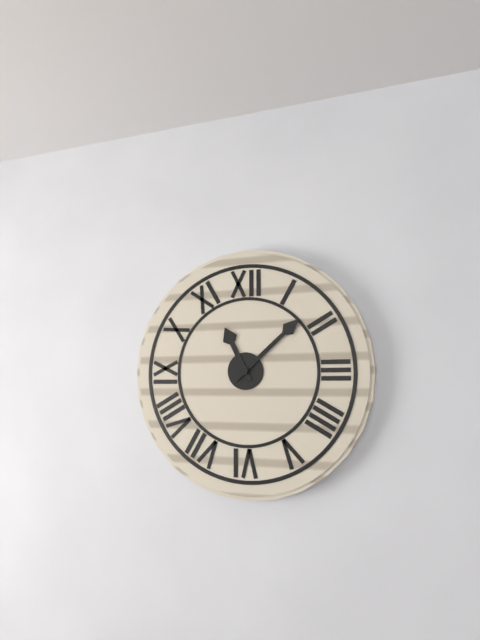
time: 11:08
